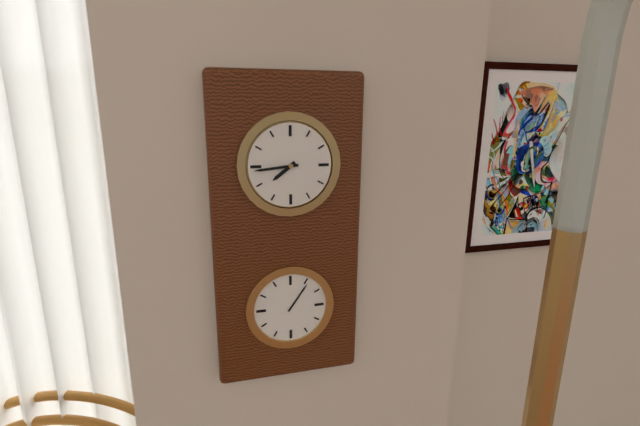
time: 7:44
